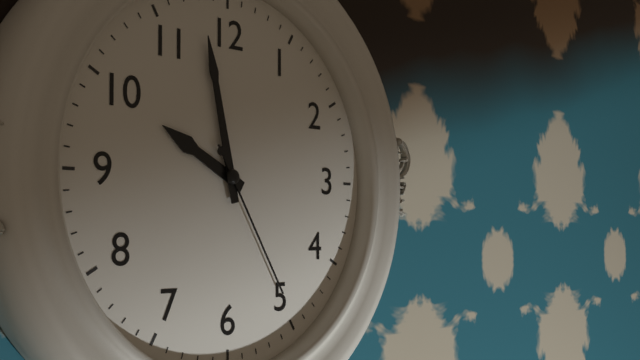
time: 9:58:25
